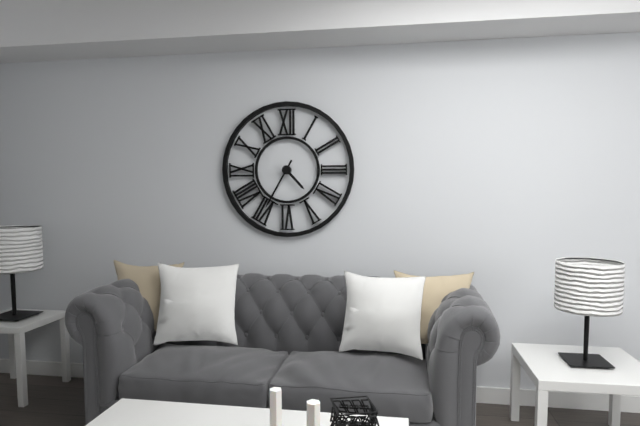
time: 4:35
